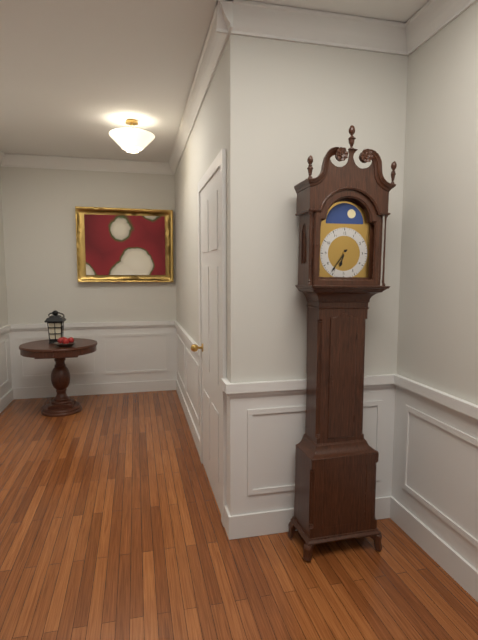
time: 6:36
